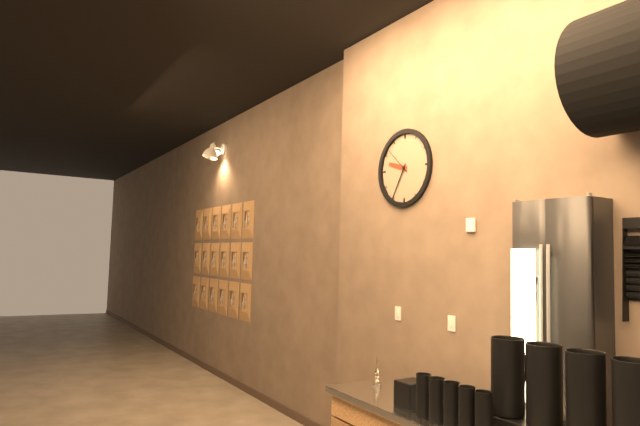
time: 9:35
